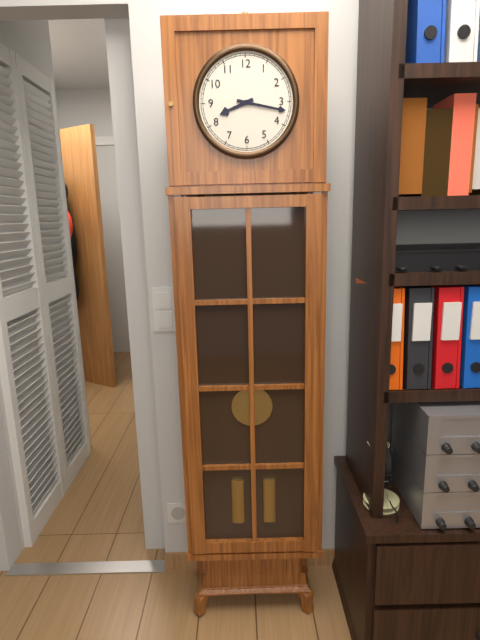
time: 8:17
